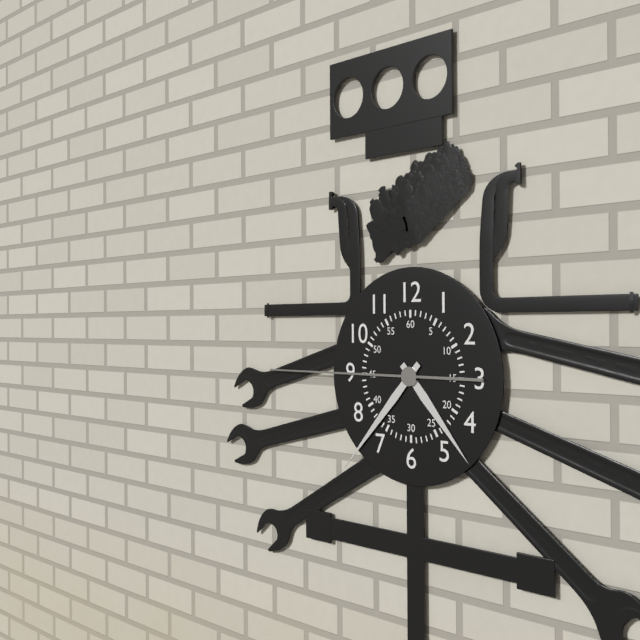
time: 4:37:45
